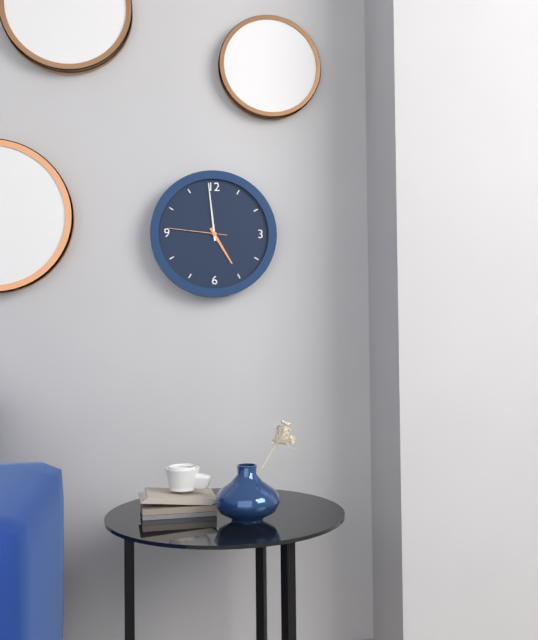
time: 4:59:46
